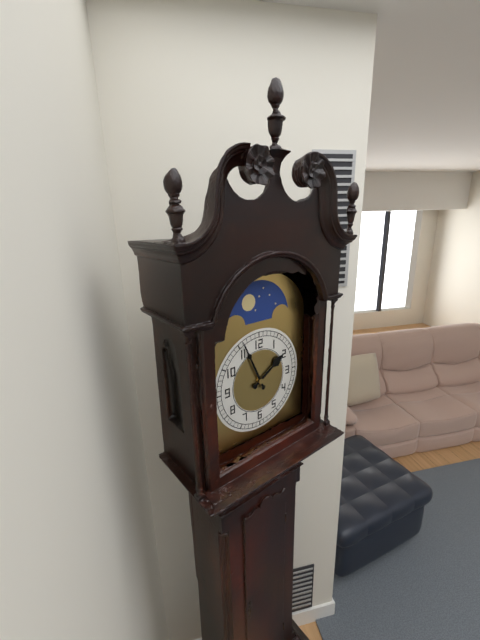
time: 1:56
